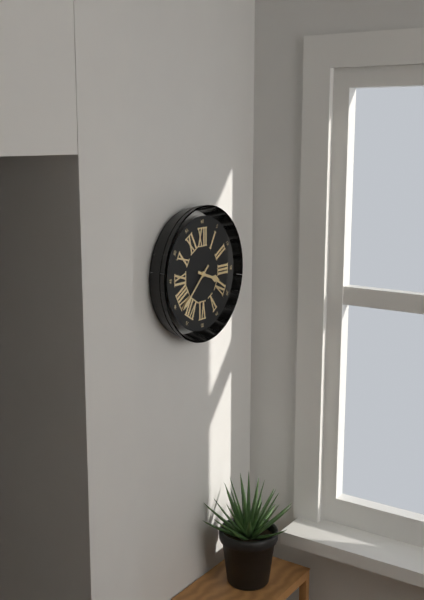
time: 3:38
